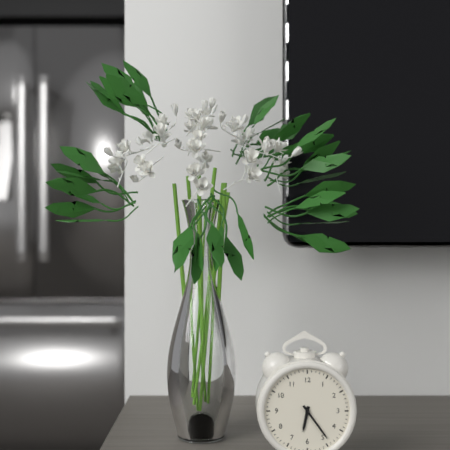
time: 6:24
